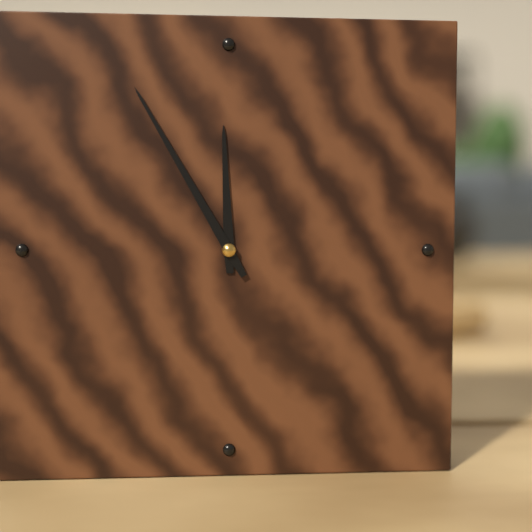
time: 11:55
